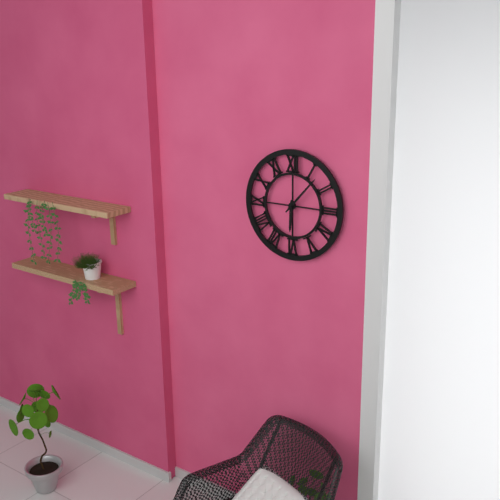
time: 6:07
